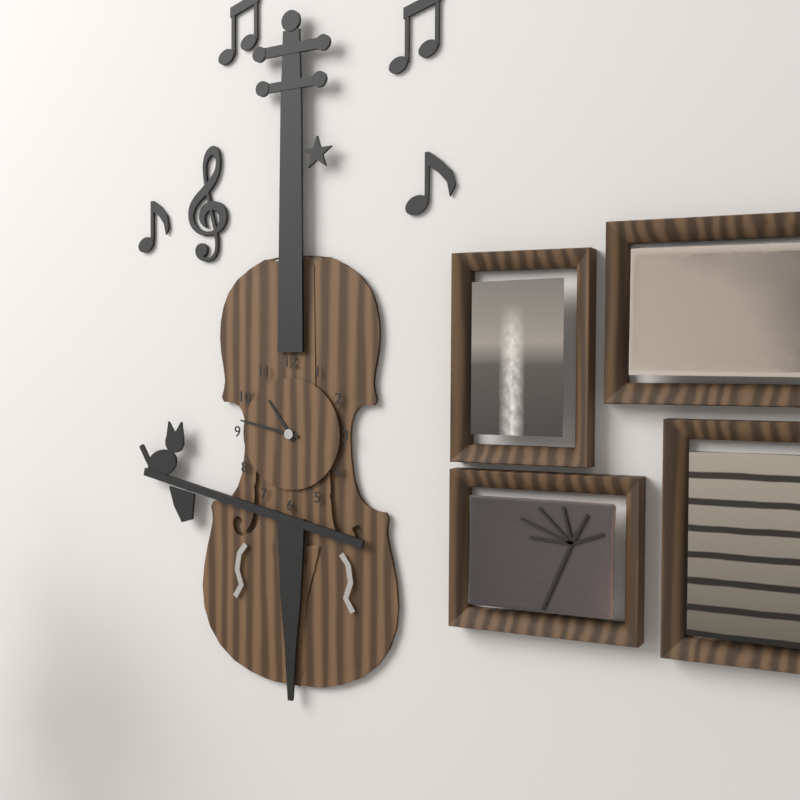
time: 10:47
